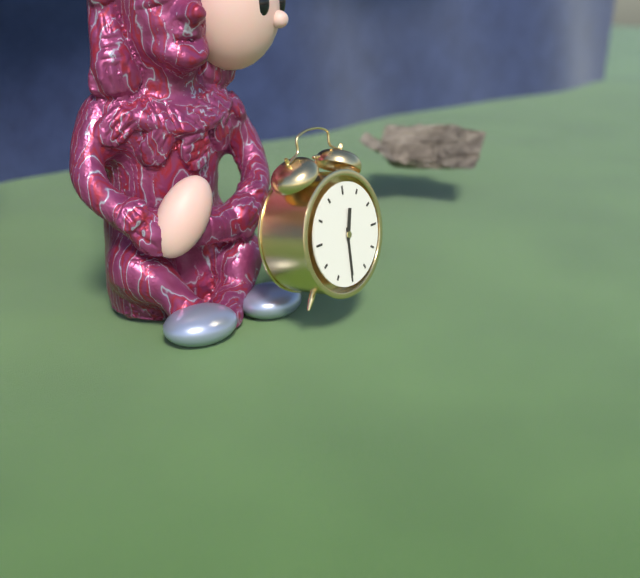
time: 12:30
